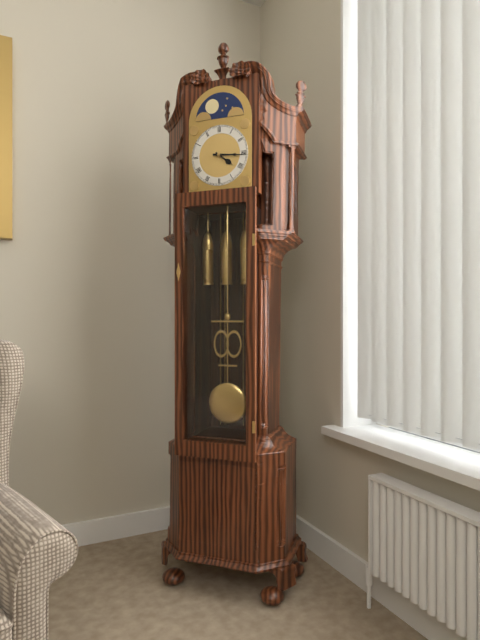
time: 4:16
